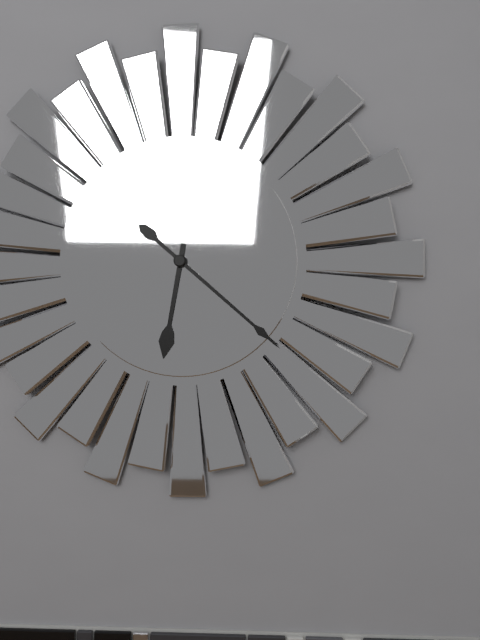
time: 6:22
